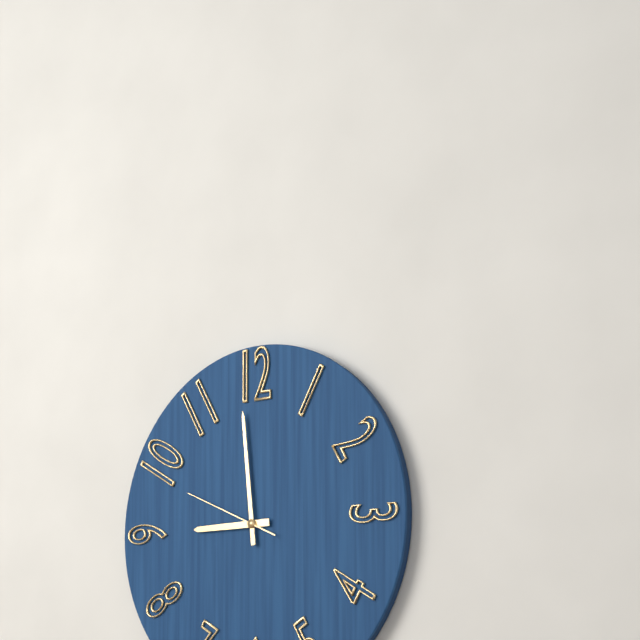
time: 8:59:49
